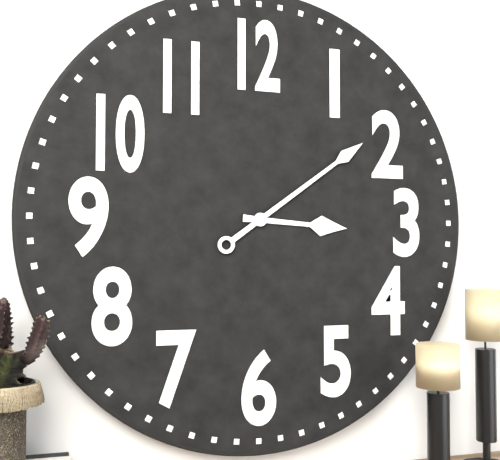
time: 3:09
